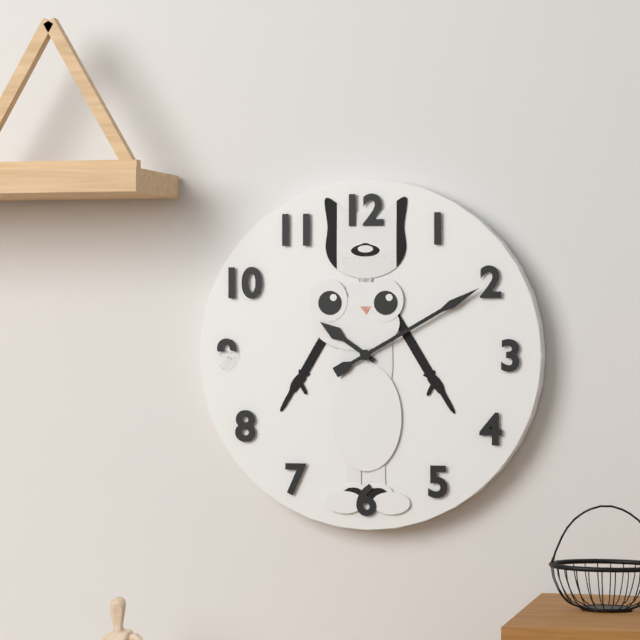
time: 10:10
